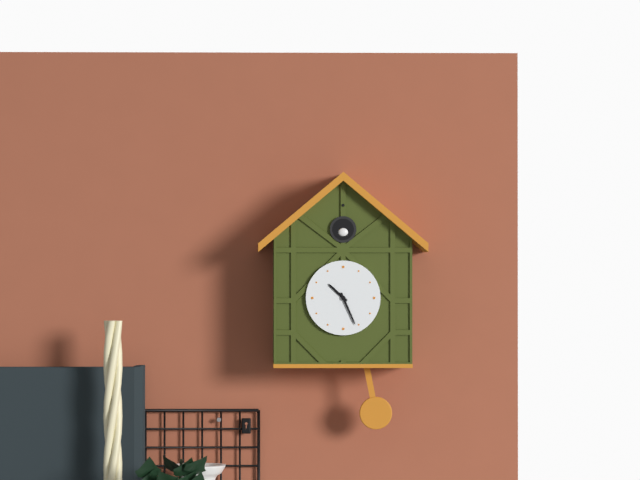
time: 10:26
